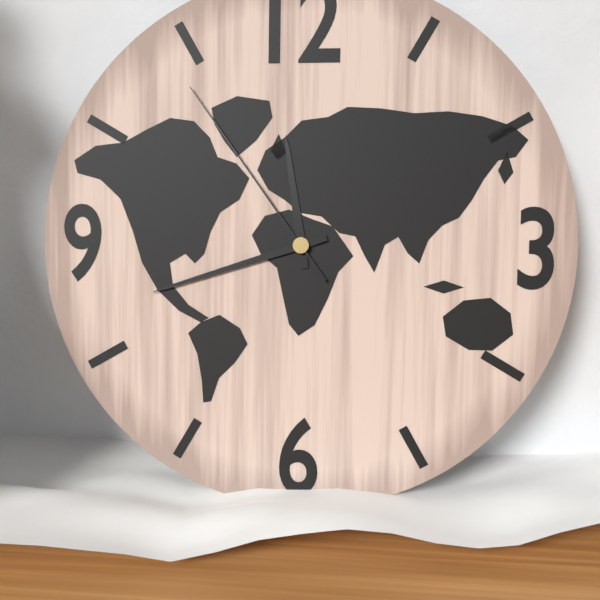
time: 11:42:54
